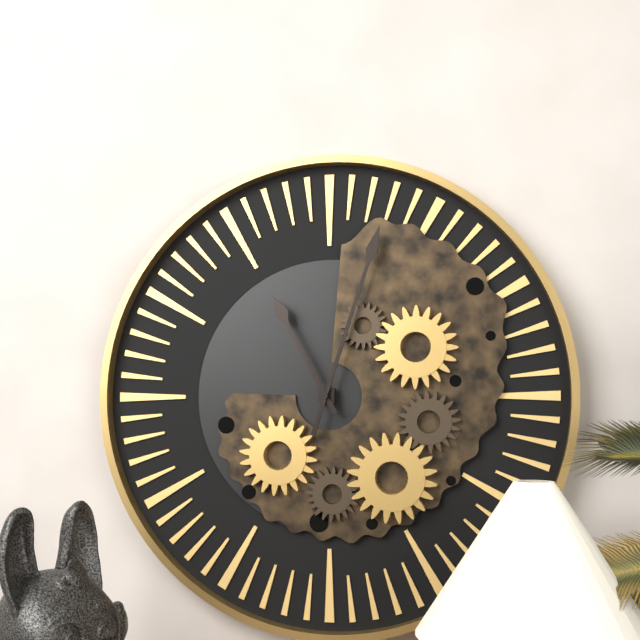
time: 11:03
